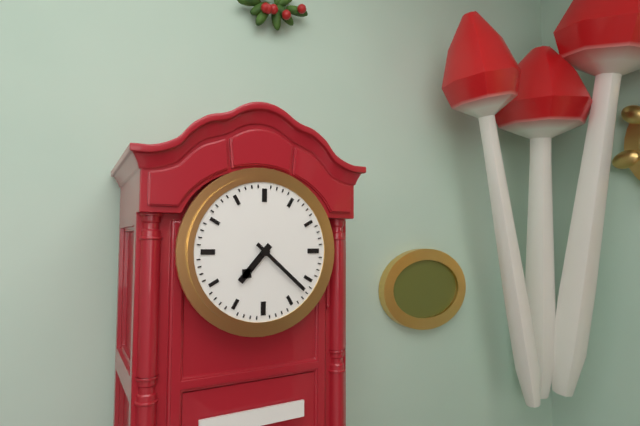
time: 7:22
